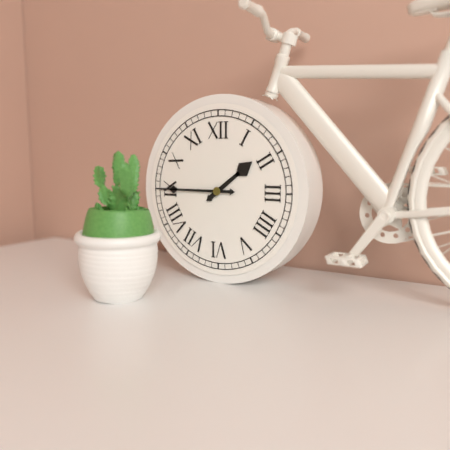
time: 1:45
